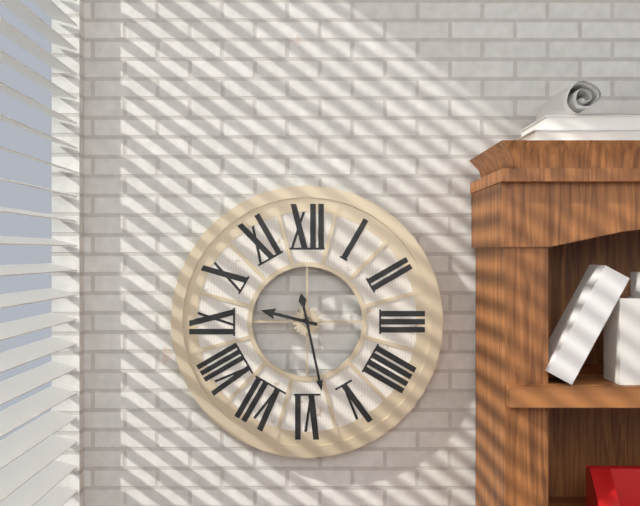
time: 9:28
